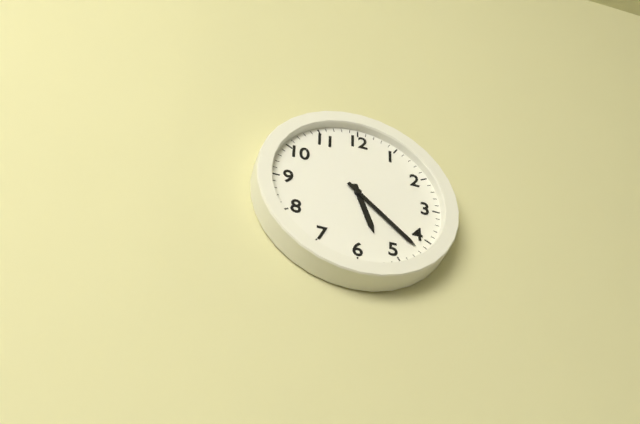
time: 5:22
